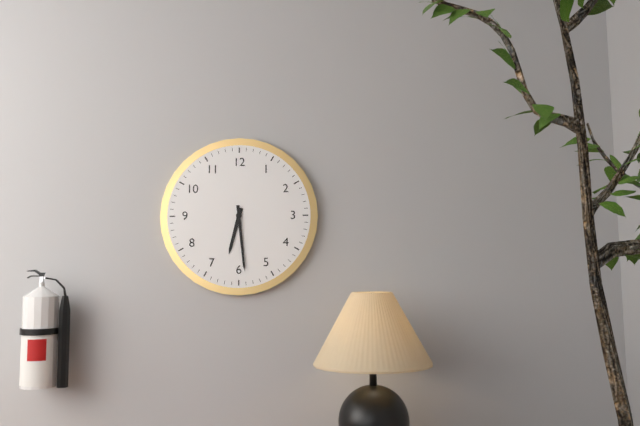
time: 6:29
